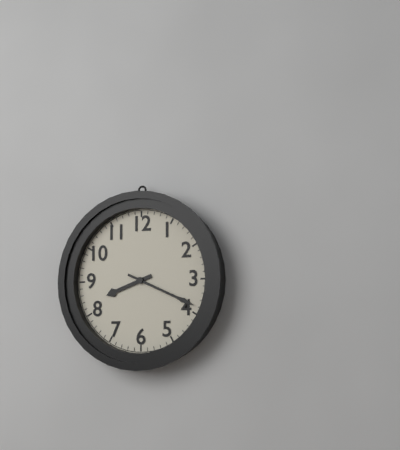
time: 8:19
